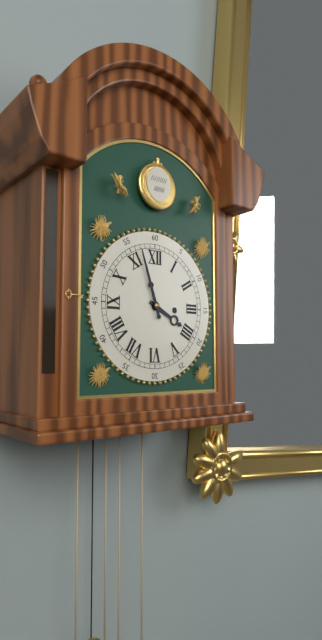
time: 3:57
